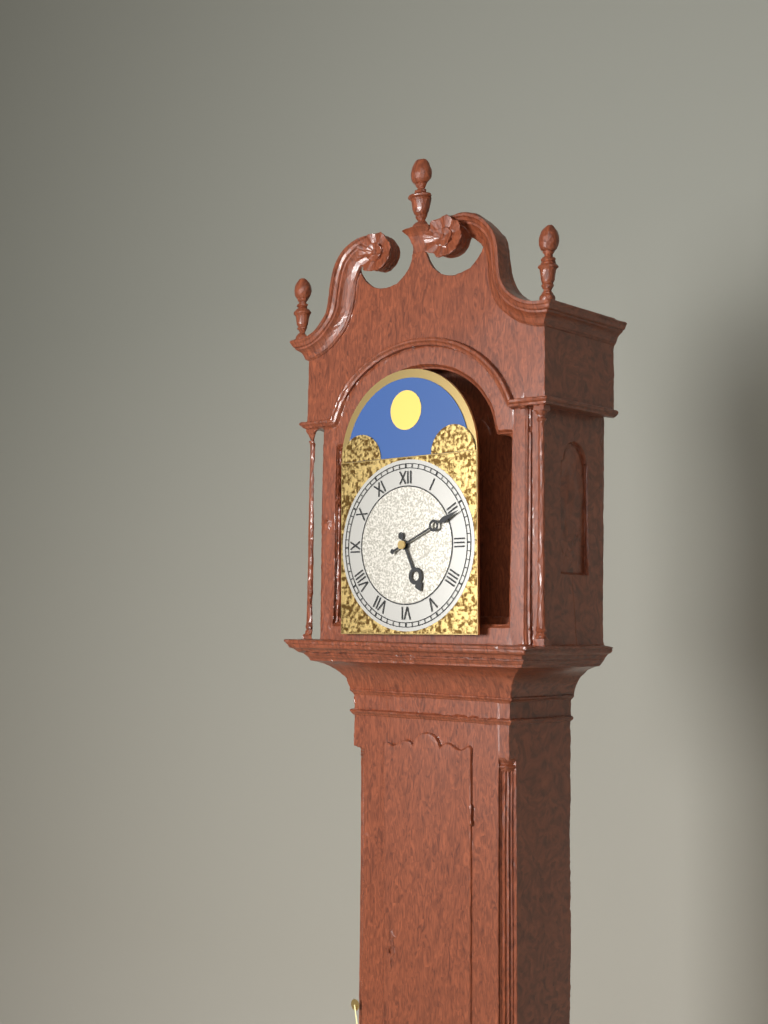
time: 5:11
